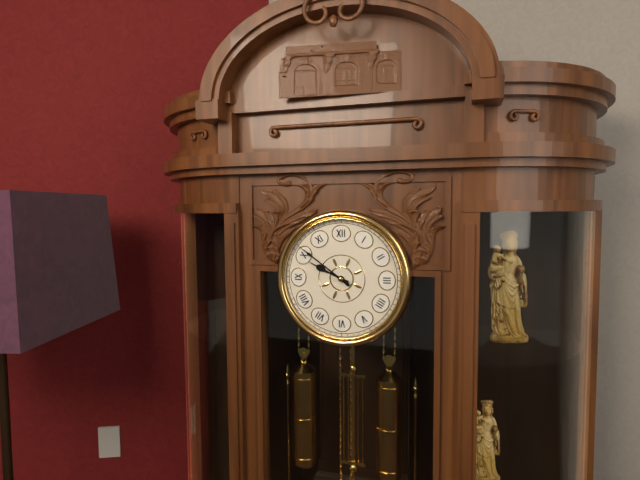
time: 9:51
